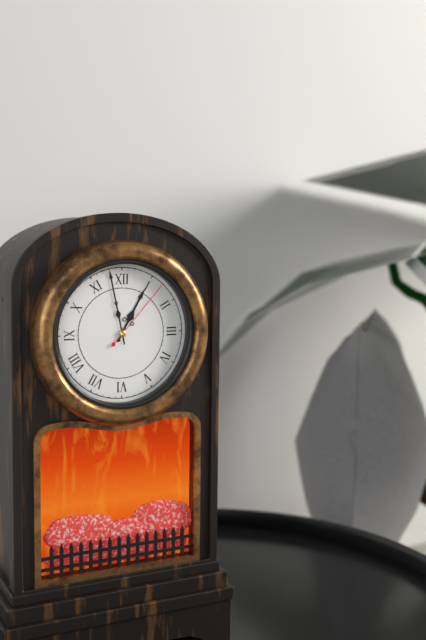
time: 12:58:07
